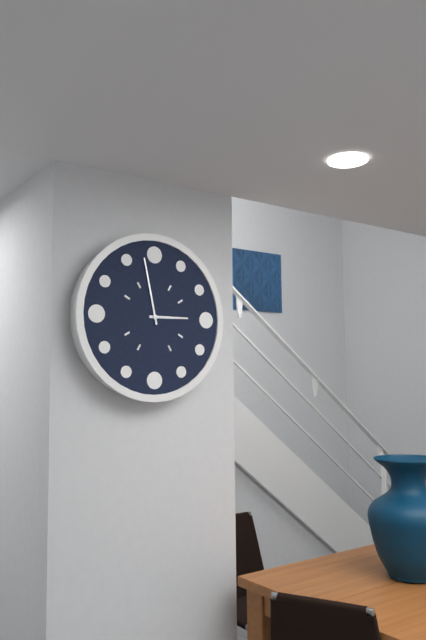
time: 2:58
